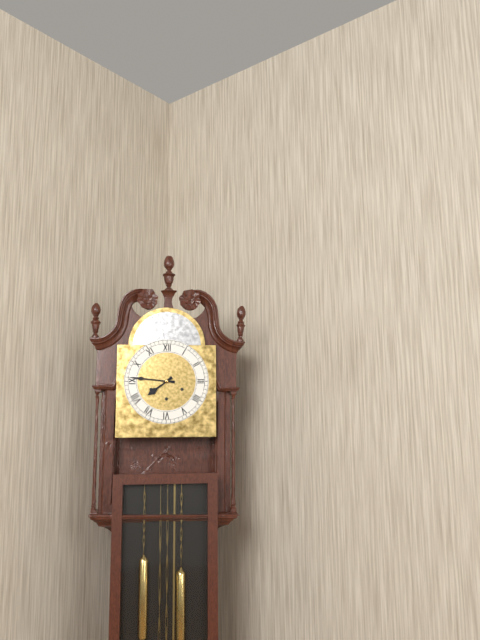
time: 7:46
